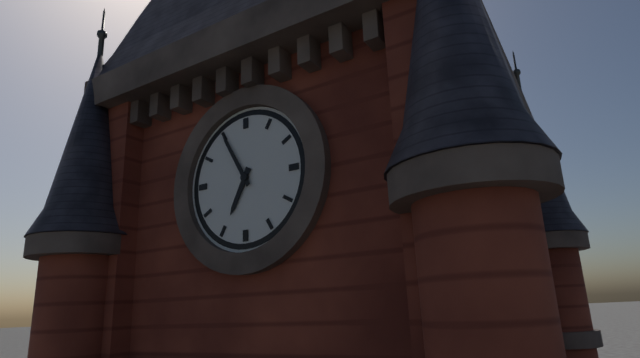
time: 6:55
